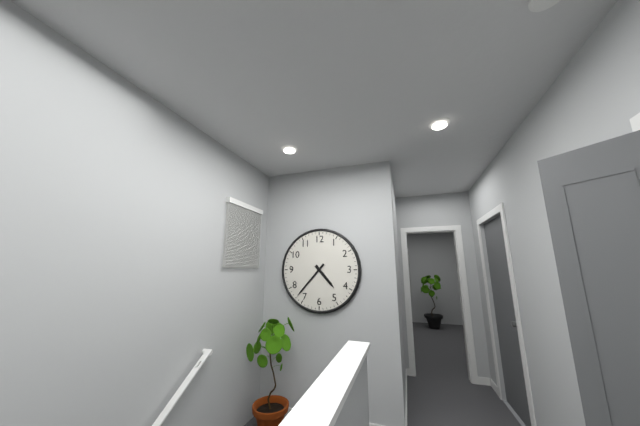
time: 4:37
